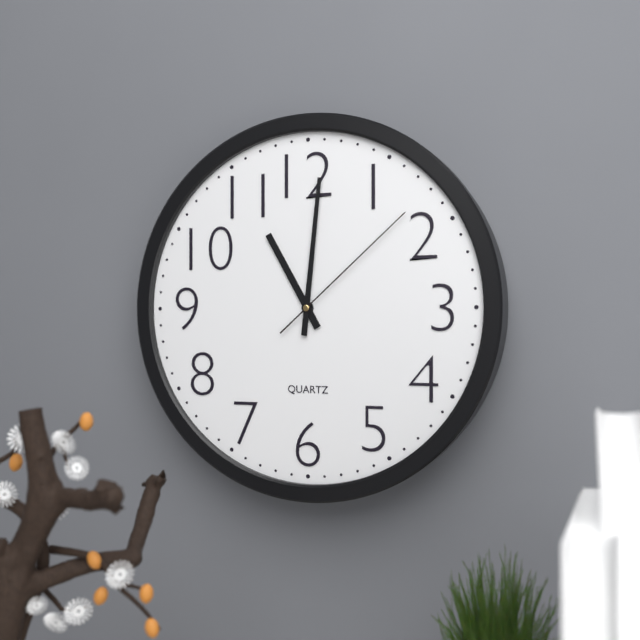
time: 11:01:08
